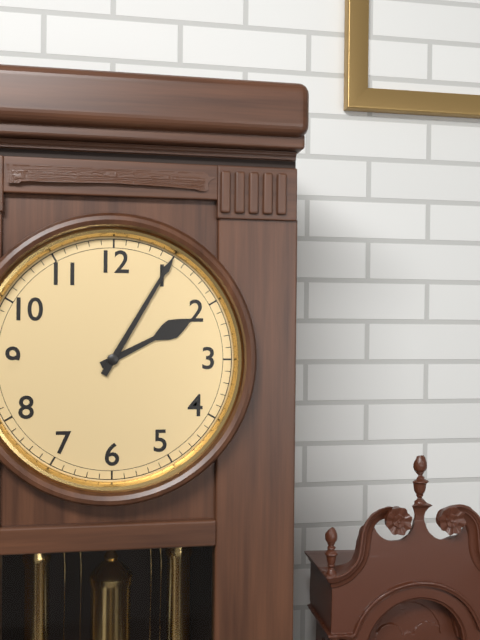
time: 2:05
